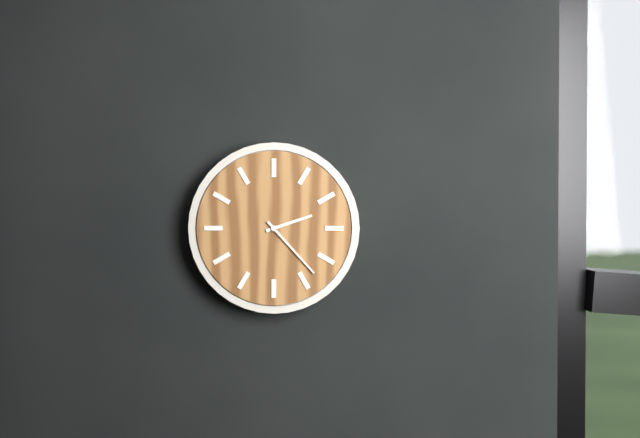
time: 2:23
